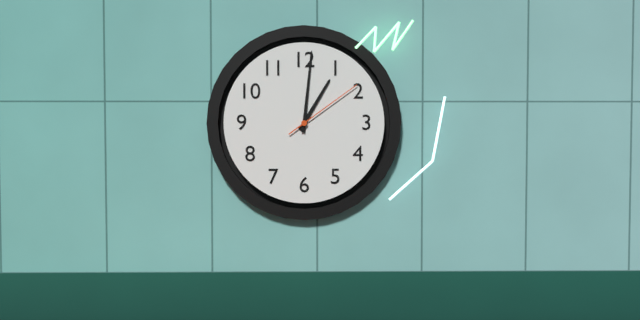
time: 1:01:09
